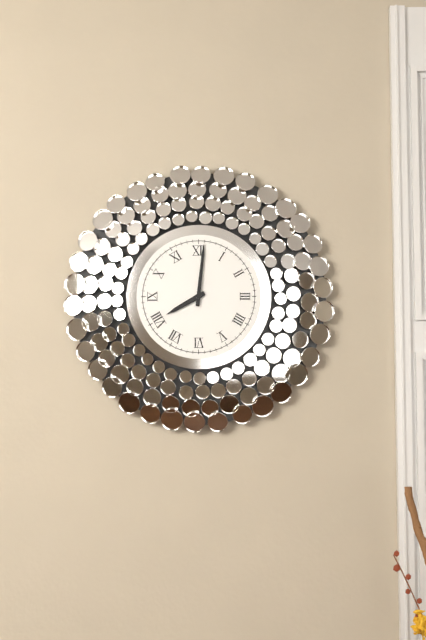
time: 8:01
